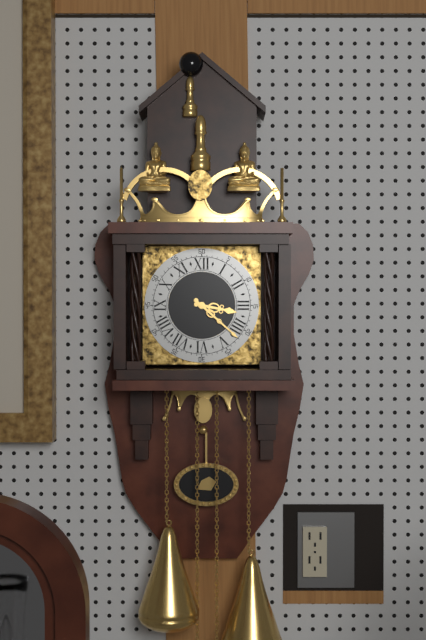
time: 3:22
